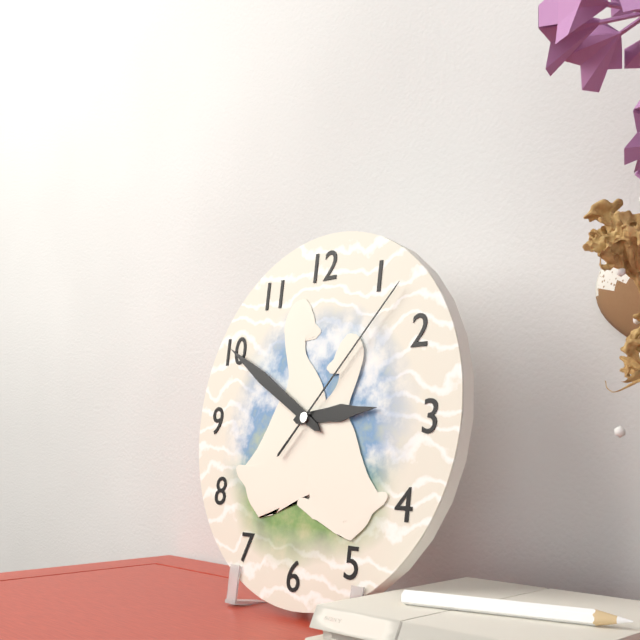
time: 2:50:07
